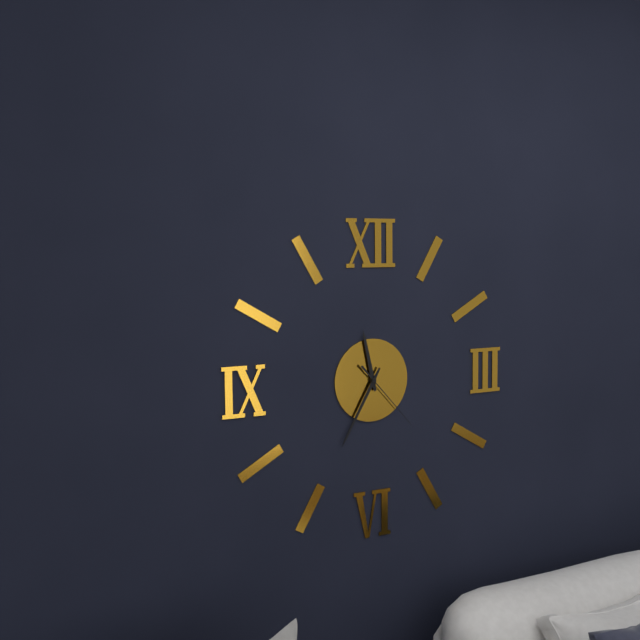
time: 11:35:23
